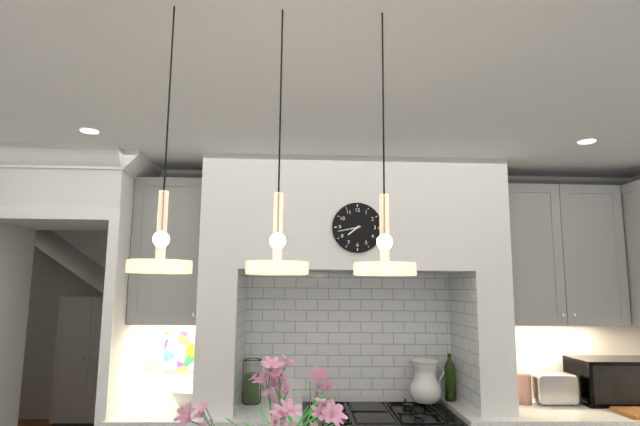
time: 7:43
